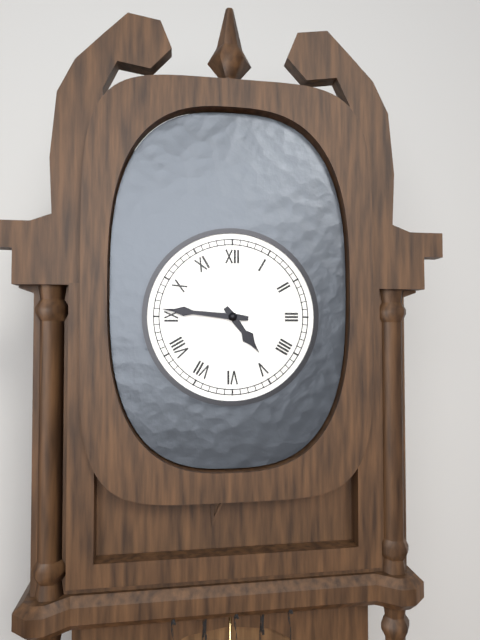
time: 4:46
